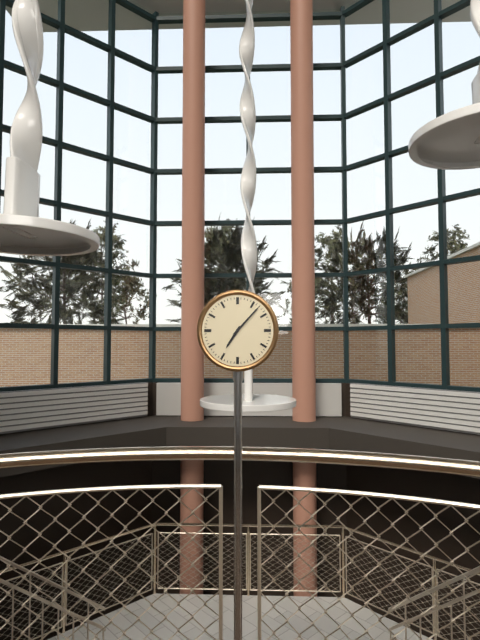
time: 7:07
